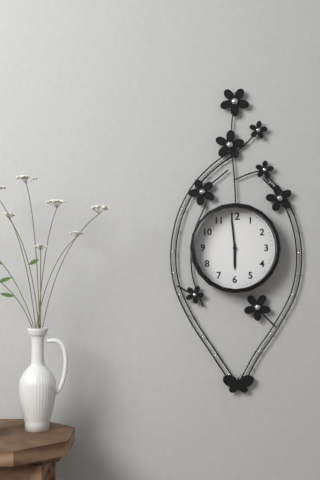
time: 5:59
